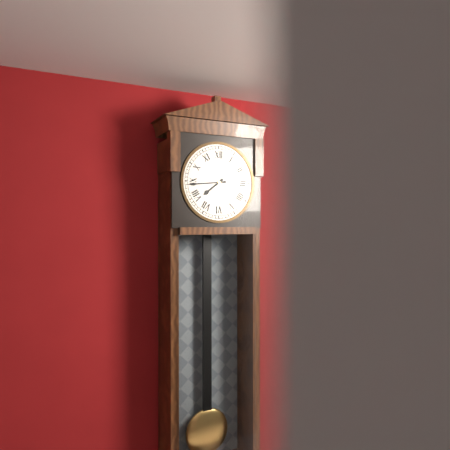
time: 7:44
